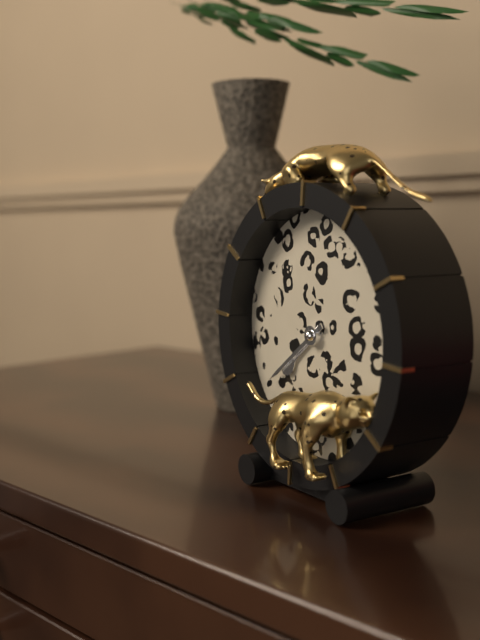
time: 7:39
